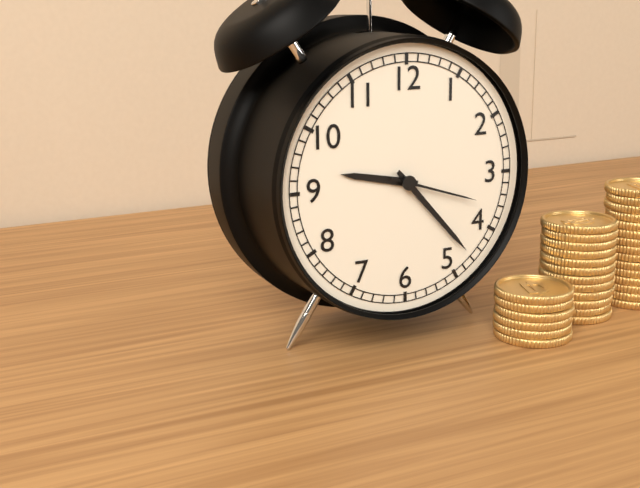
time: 9:23:18
